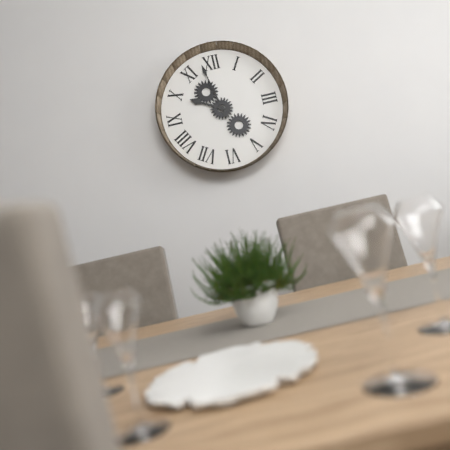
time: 9:58
